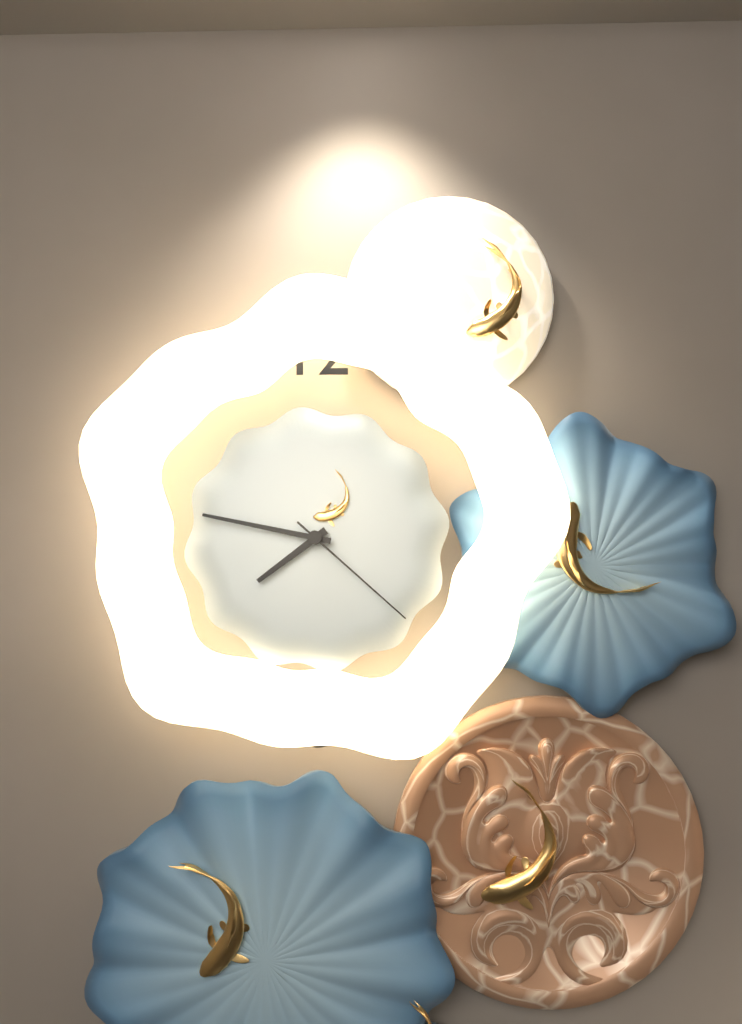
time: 7:47:22
